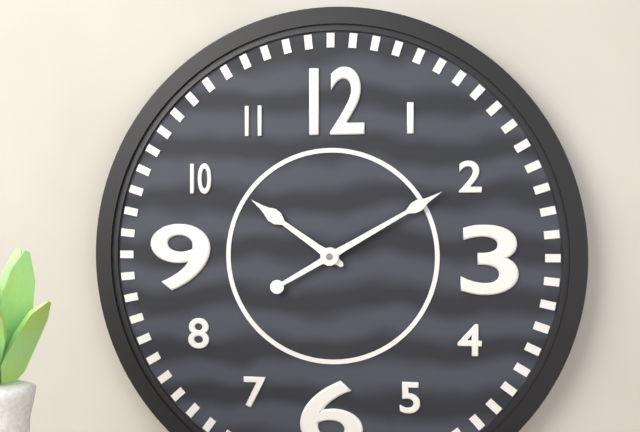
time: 10:10
